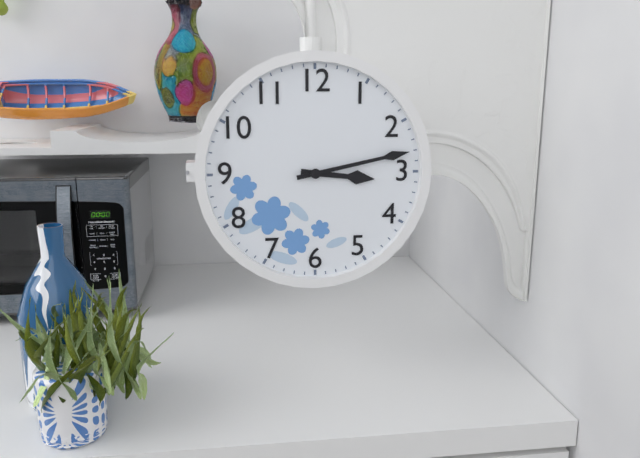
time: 3:13
